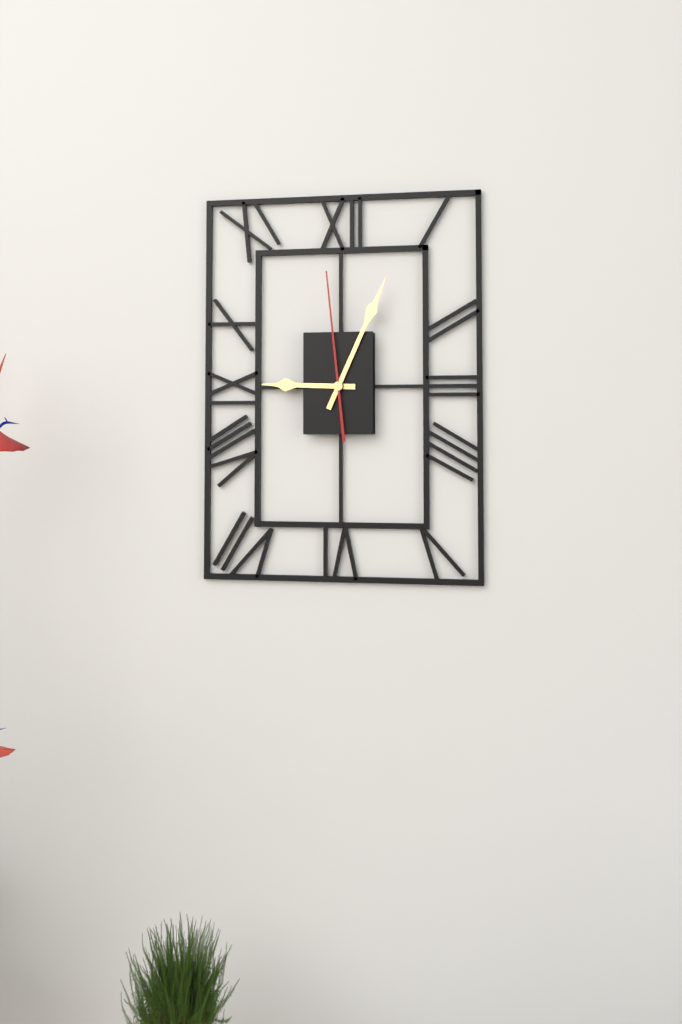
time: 9:04:59
